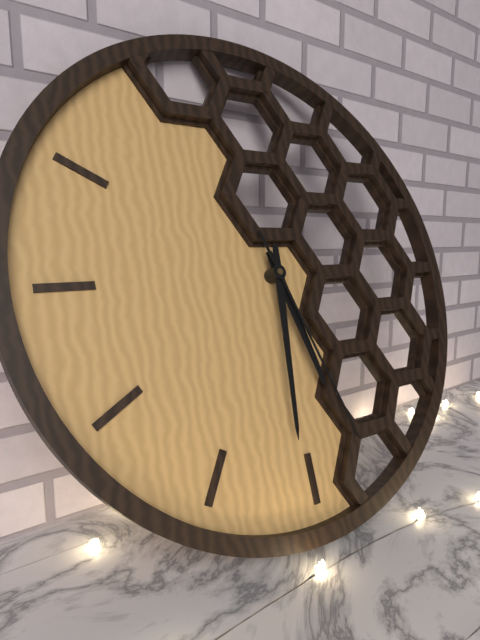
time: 5:31:27
